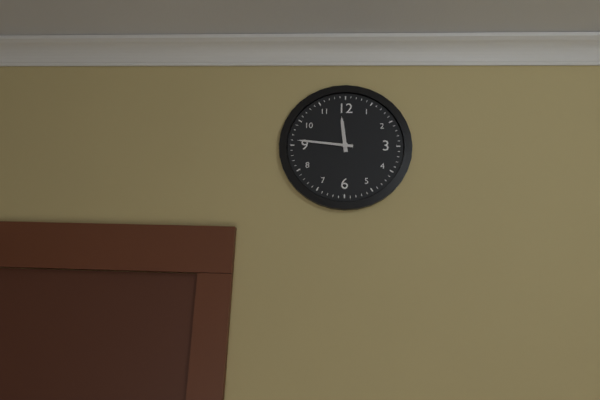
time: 11:46
